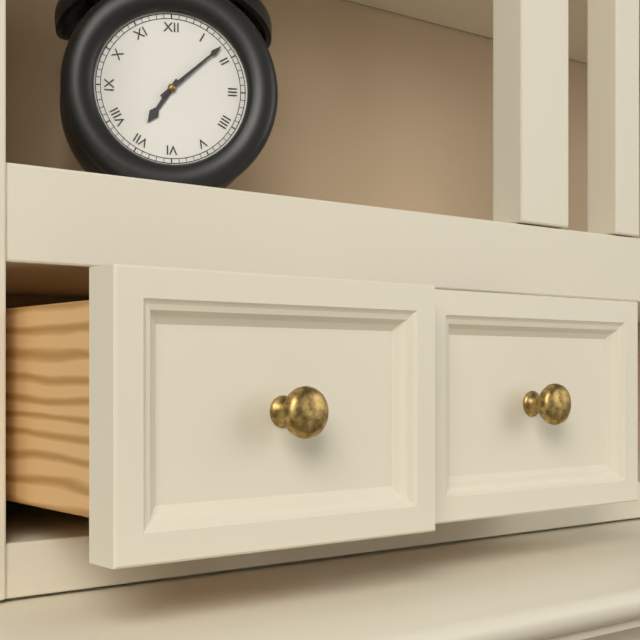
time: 7:08
